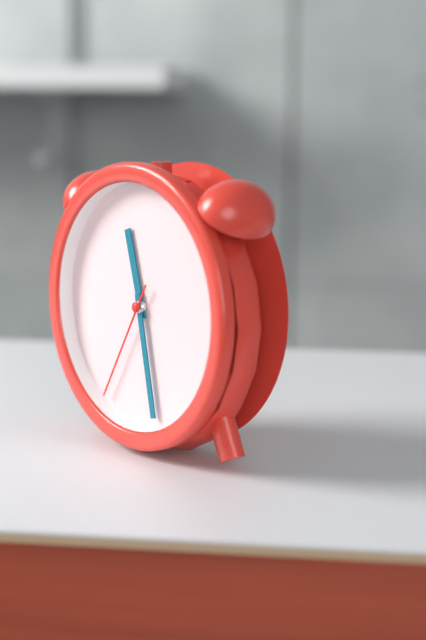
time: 11:28:35
